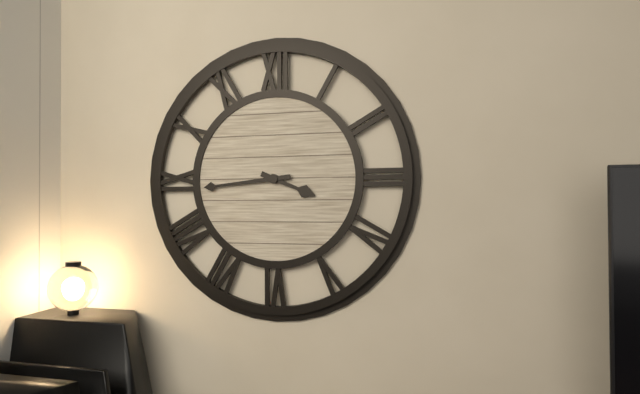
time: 3:44
